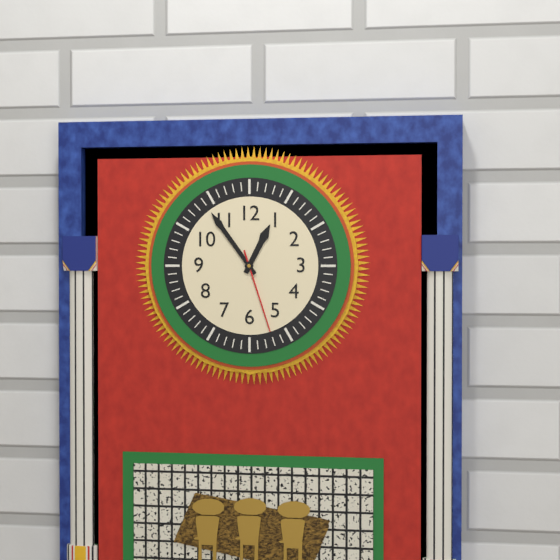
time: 12:54:27
